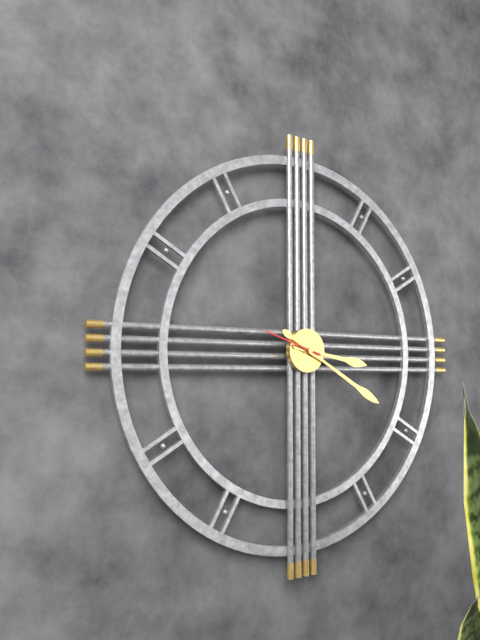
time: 3:20:48
